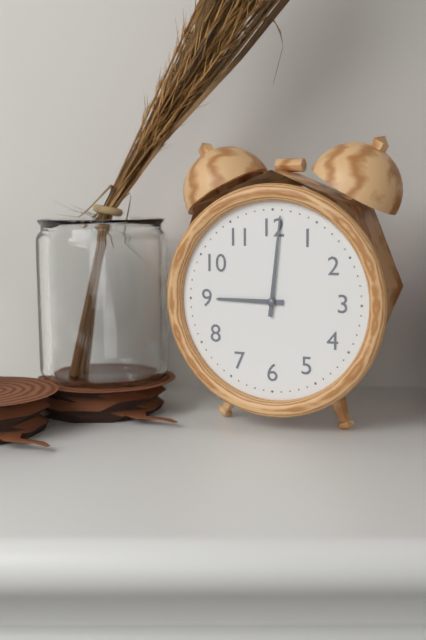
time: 9:01
